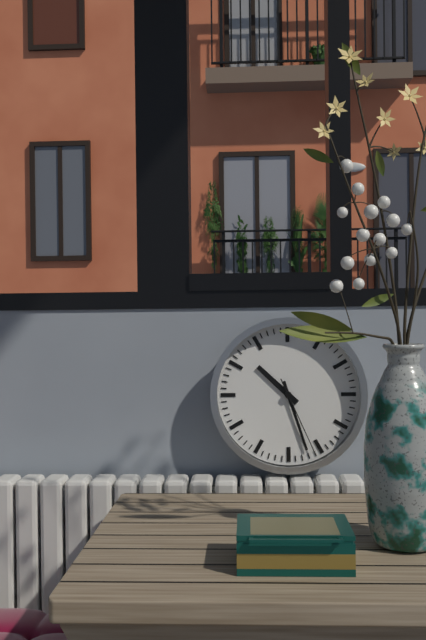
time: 10:27:26
